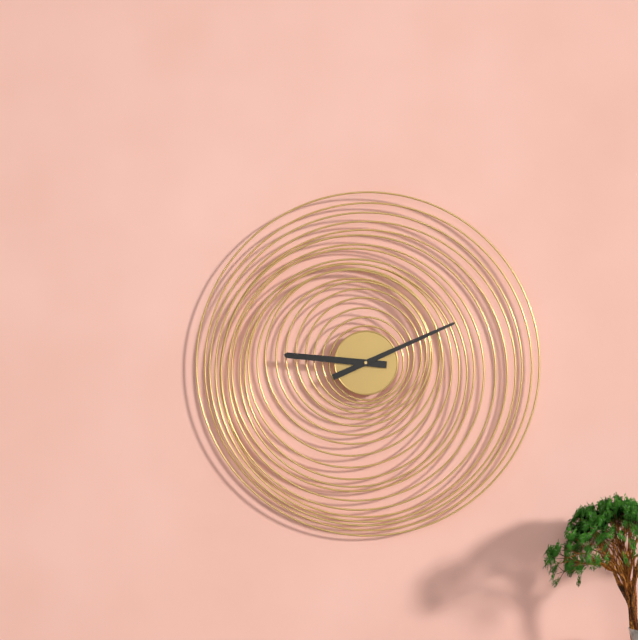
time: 9:11
